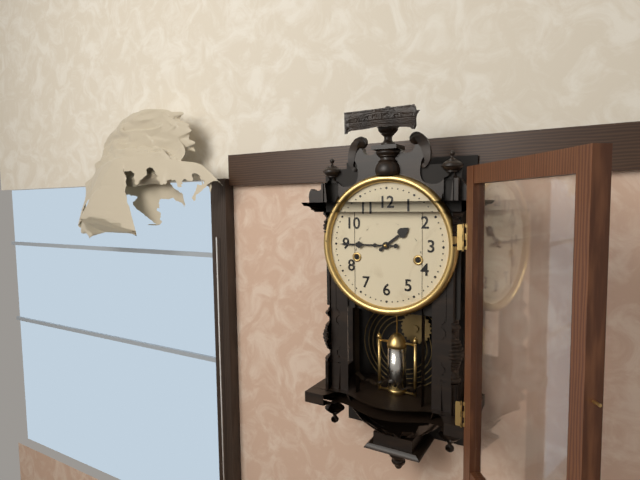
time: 1:45
